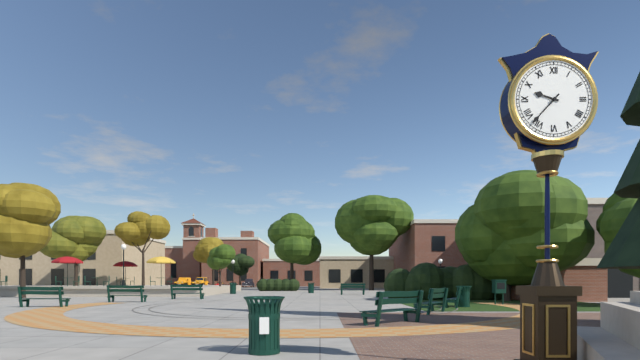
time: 9:37
